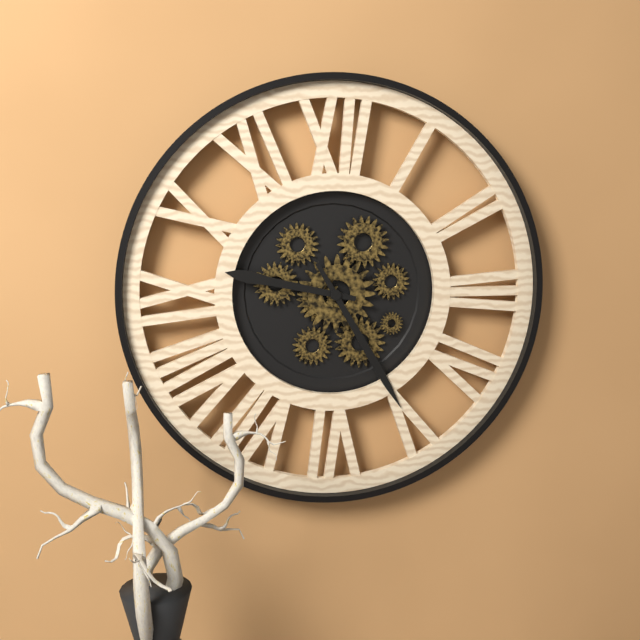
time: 9:25
